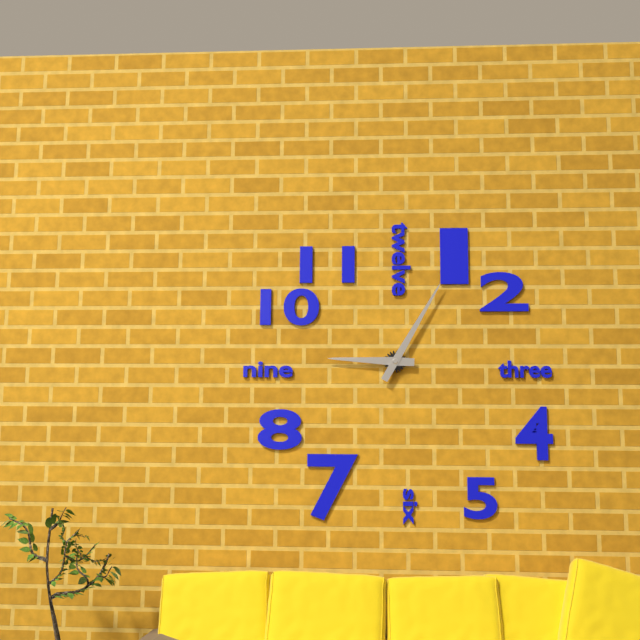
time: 9:05
